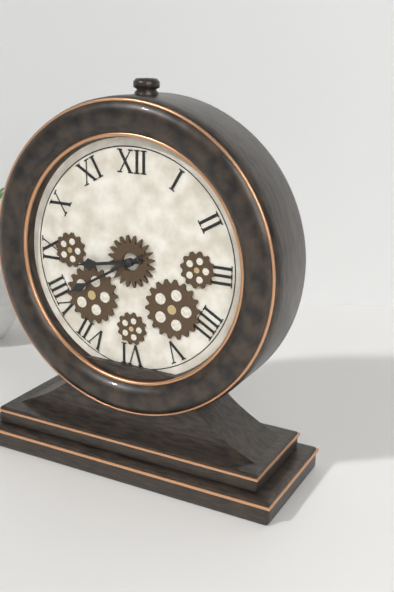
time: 8:40
